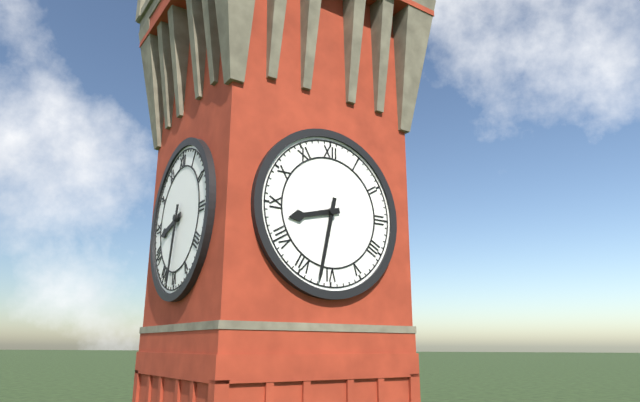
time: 8:32
